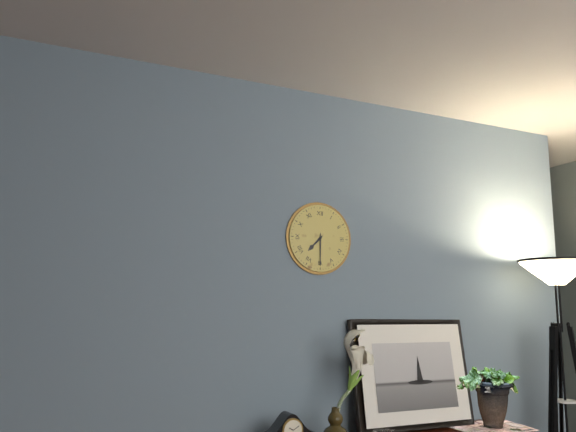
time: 7:30
